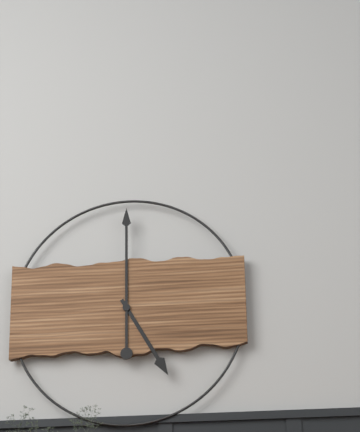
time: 5:00
